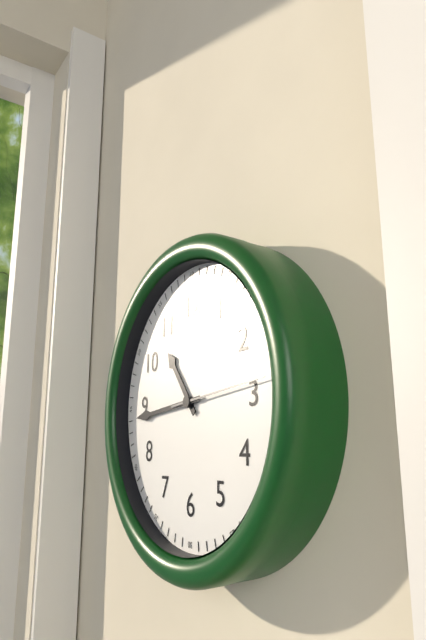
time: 10:44:14
